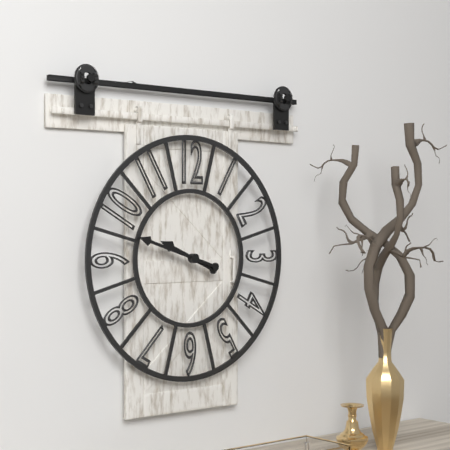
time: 9:48
